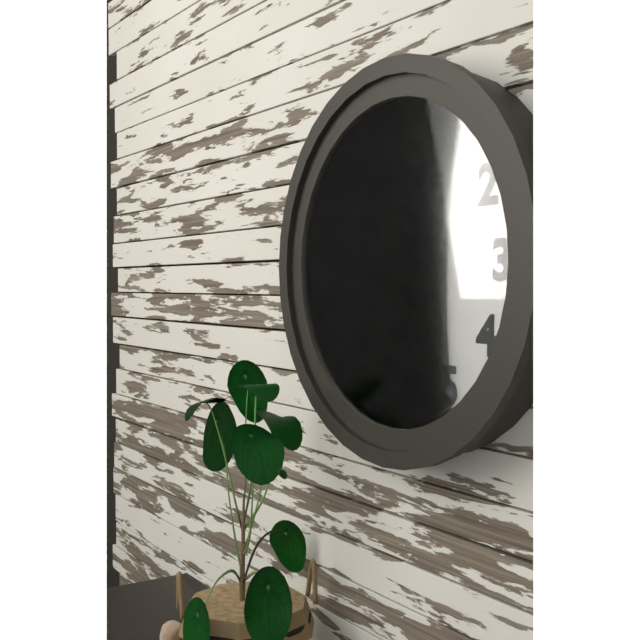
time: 5:04:39
